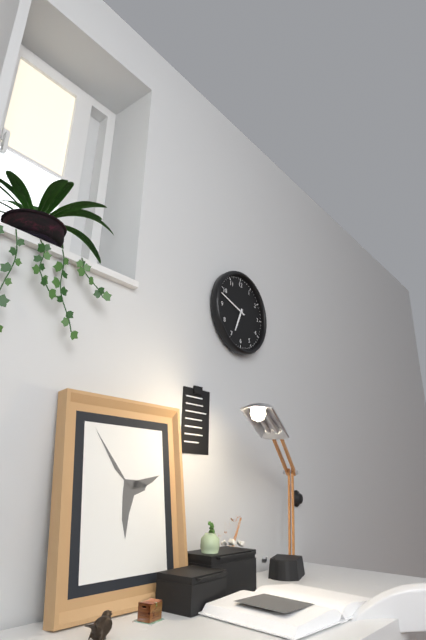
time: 6:48
